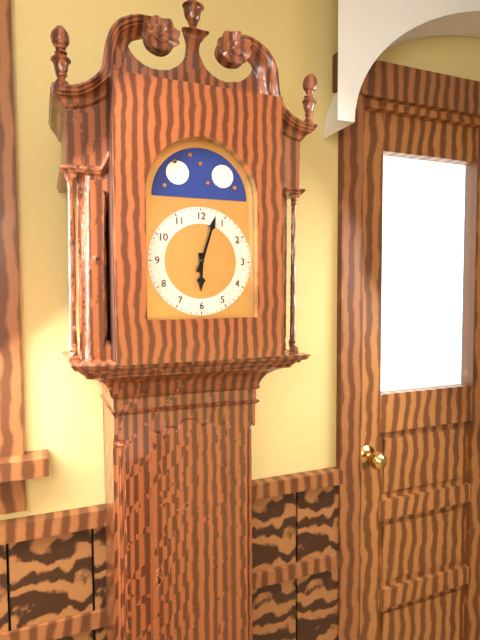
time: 6:03
